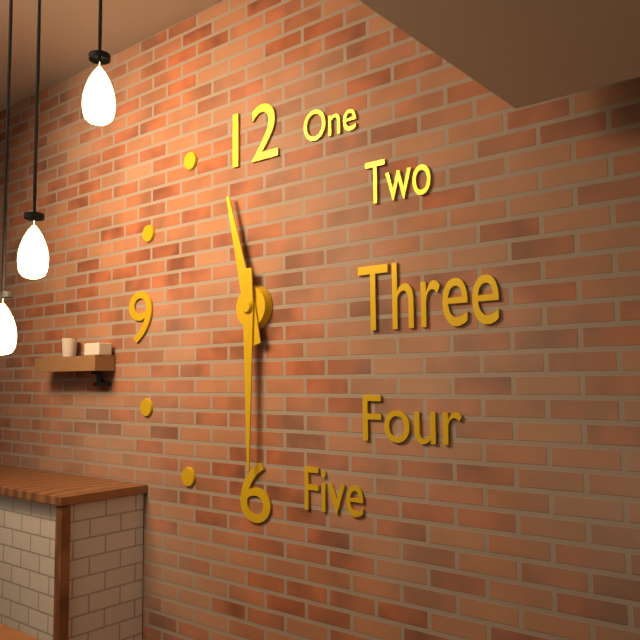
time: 11:30
